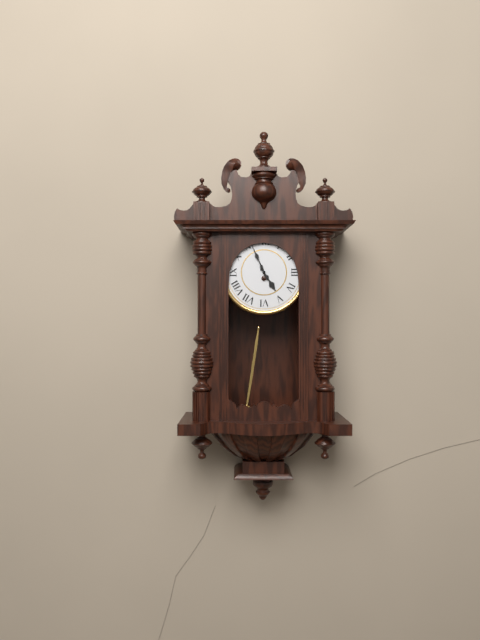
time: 4:56
